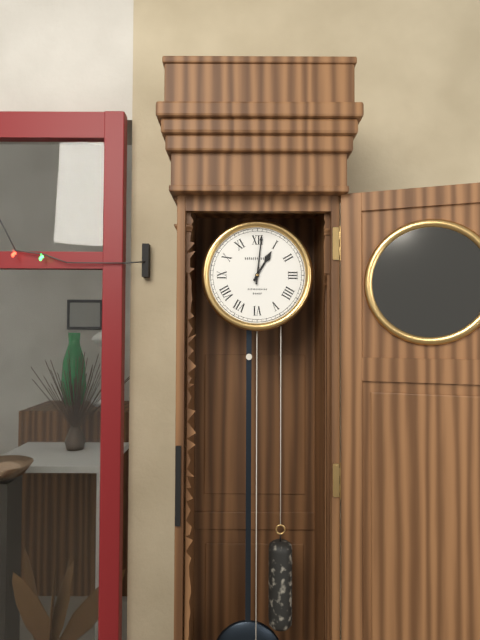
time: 1:01
